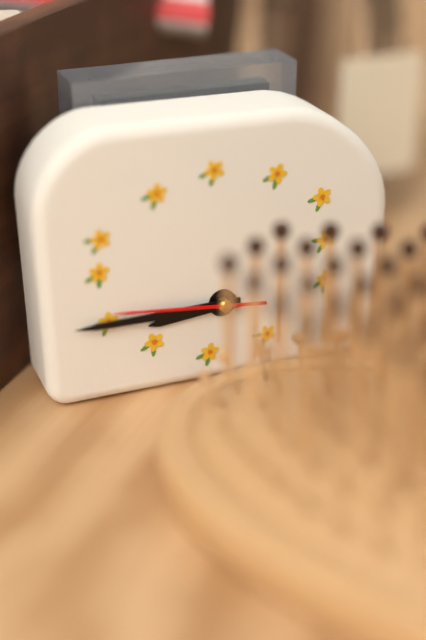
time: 8:45:46
